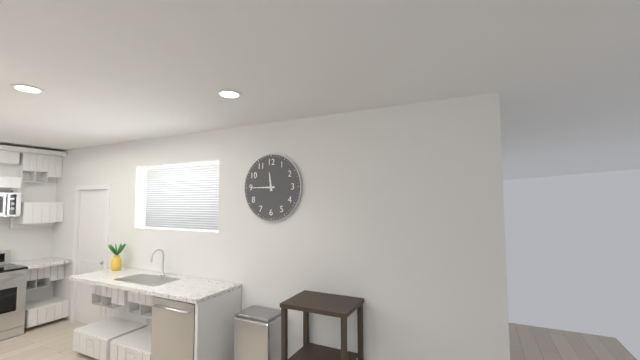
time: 11:45
